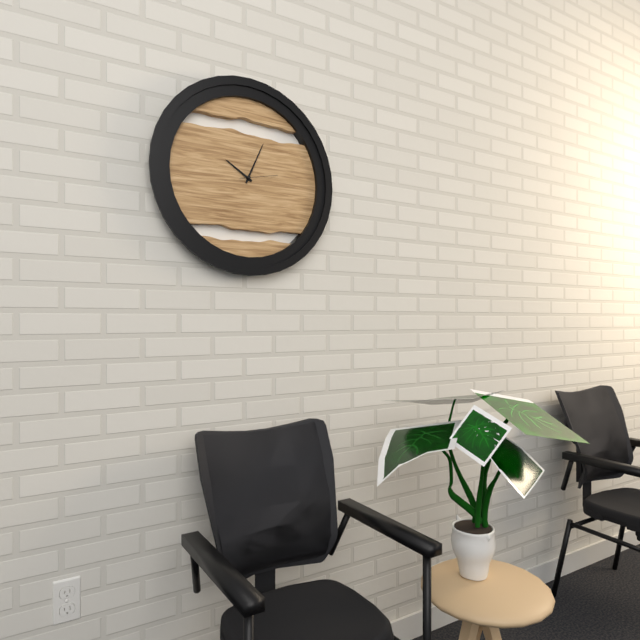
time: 10:04
